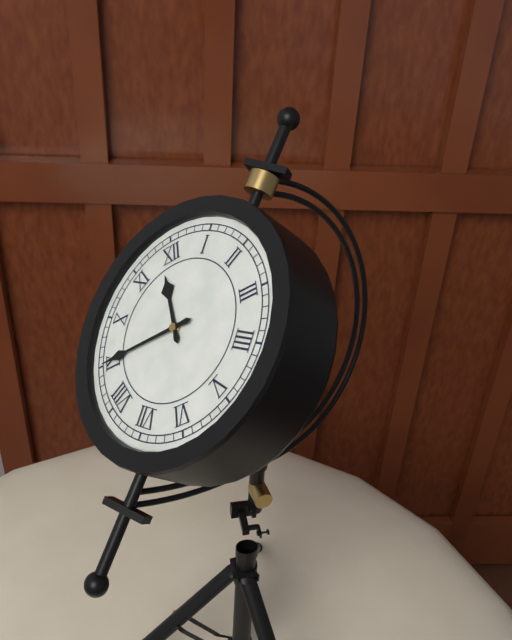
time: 11:45
